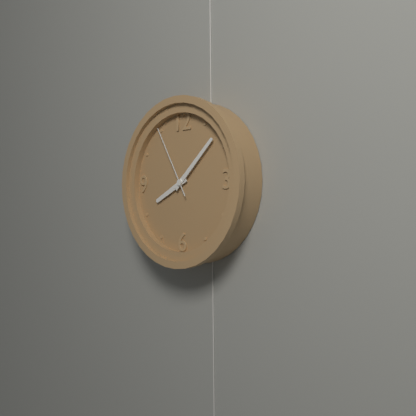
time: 8:08:55
